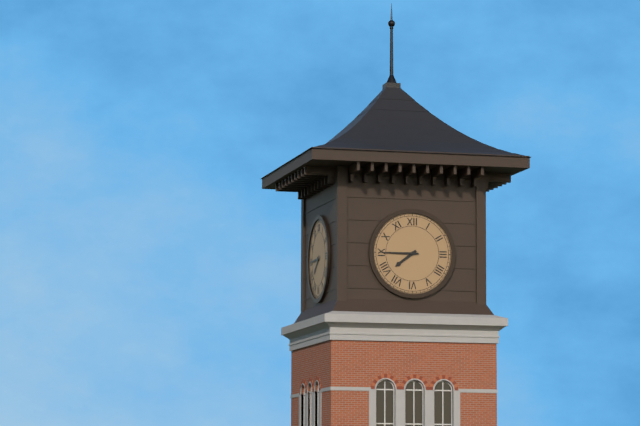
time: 7:45
